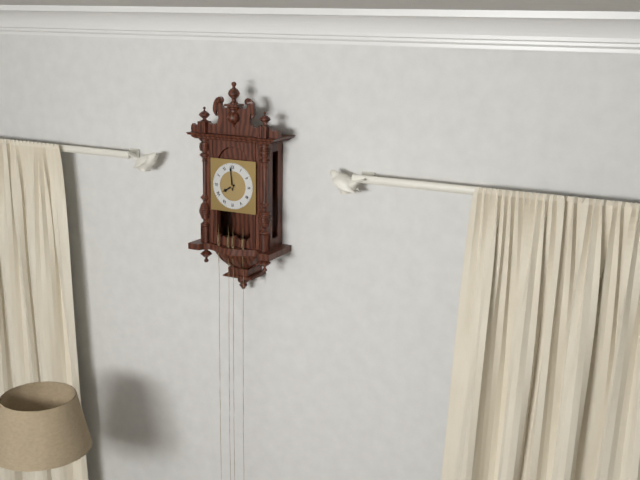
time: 7:59
